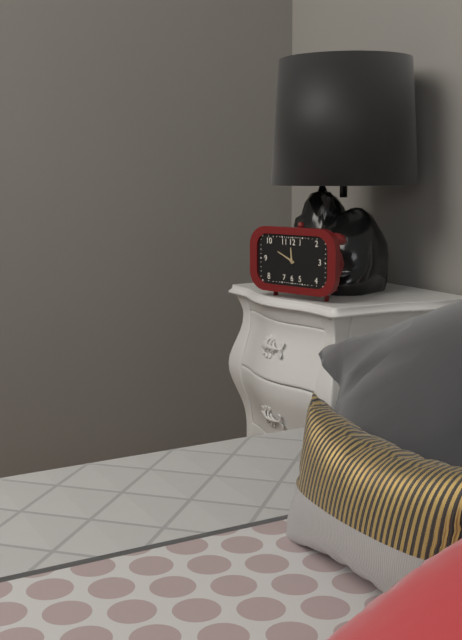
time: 11:49
